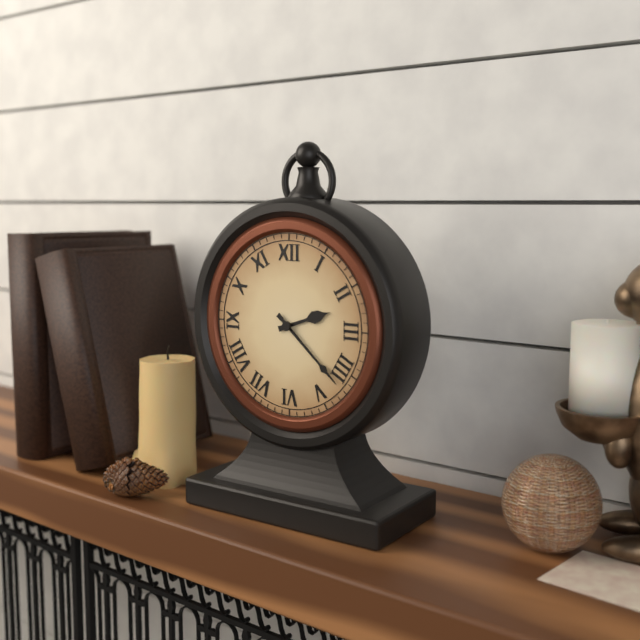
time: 2:22
